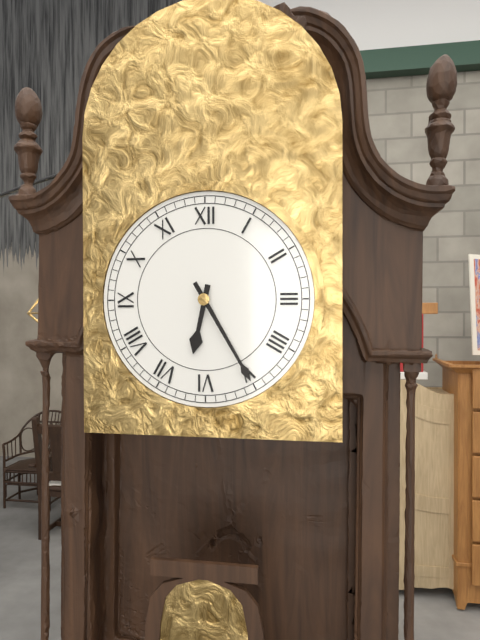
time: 6:25
